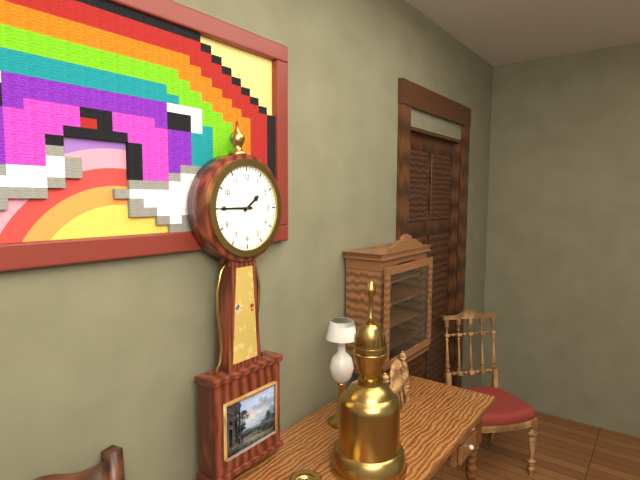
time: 1:45
